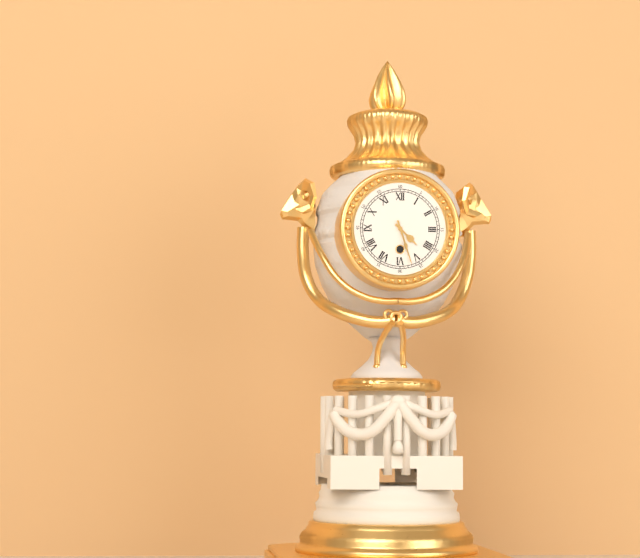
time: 4:27
